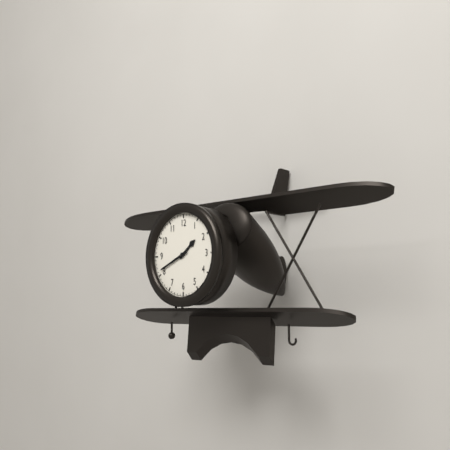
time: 1:41
